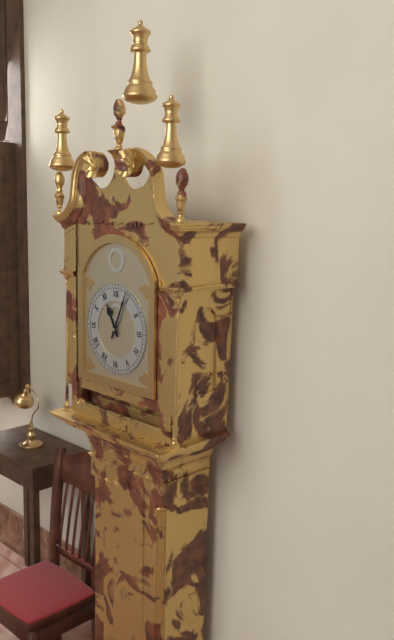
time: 11:04
